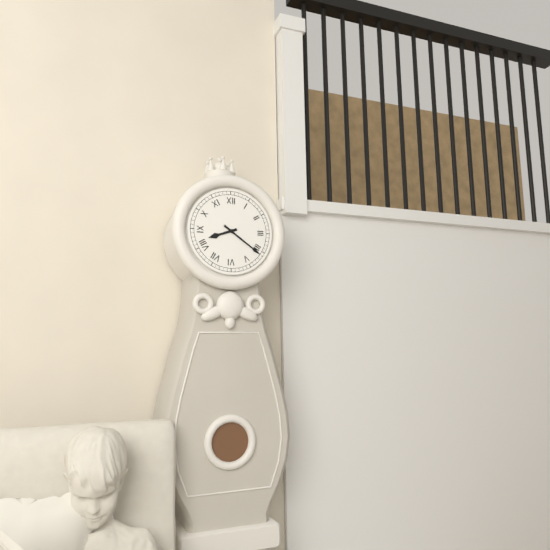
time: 8:21
